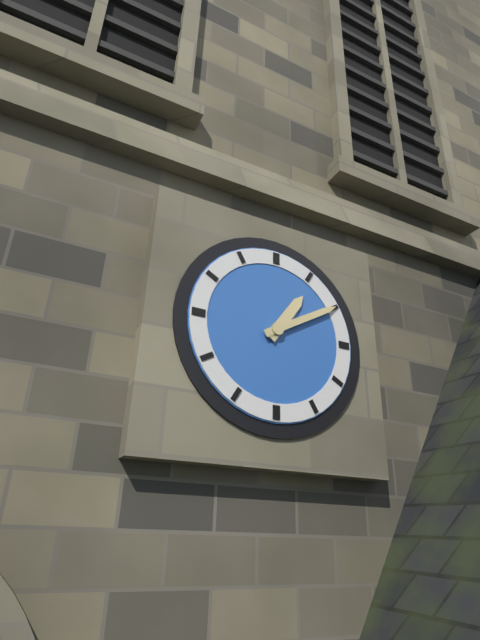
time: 1:10
